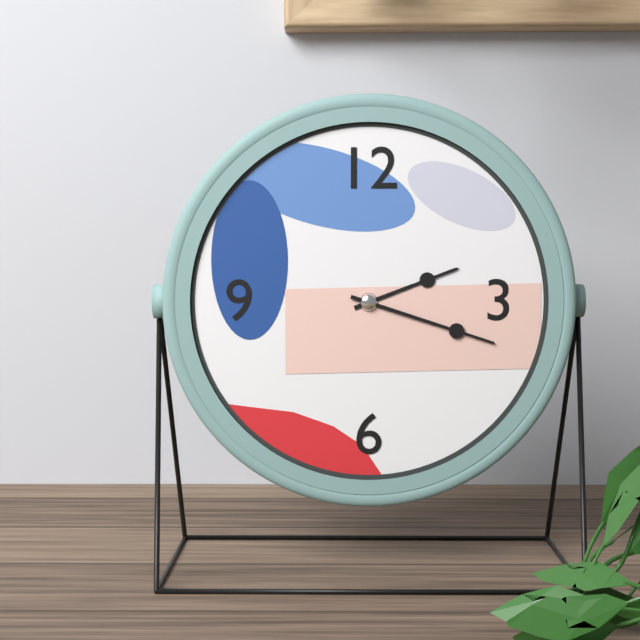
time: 2:18
